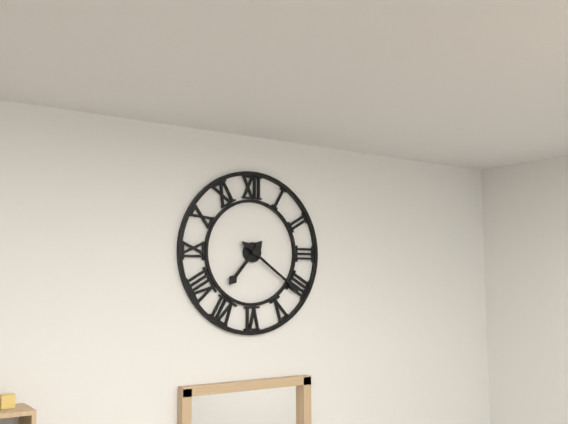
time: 7:21
